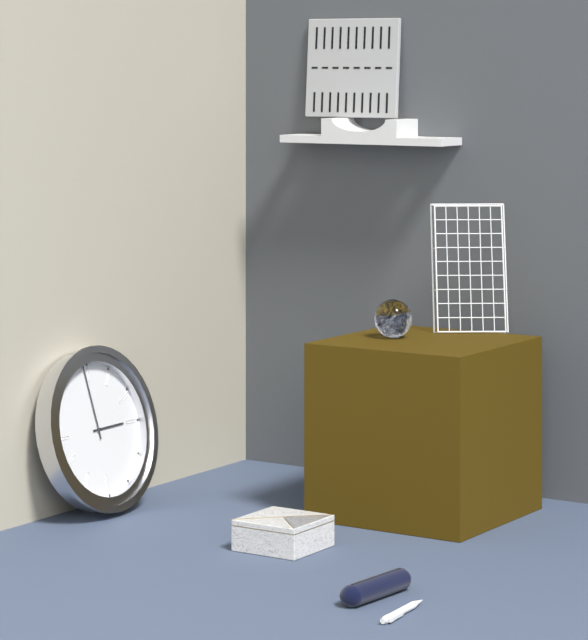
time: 2:59
